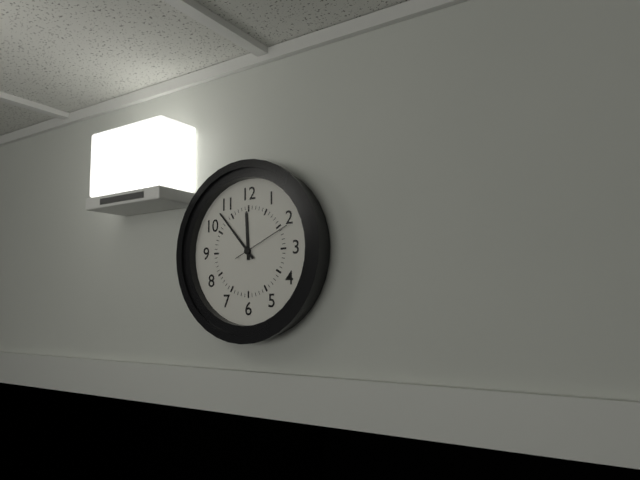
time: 11:53:11
